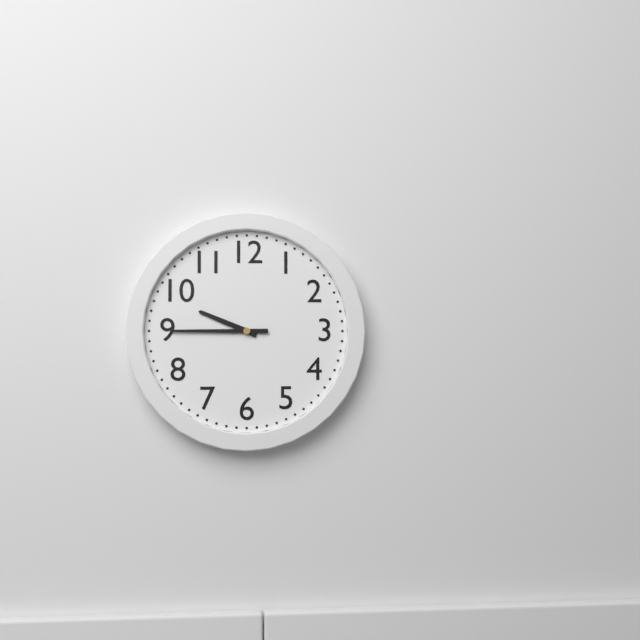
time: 9:45
